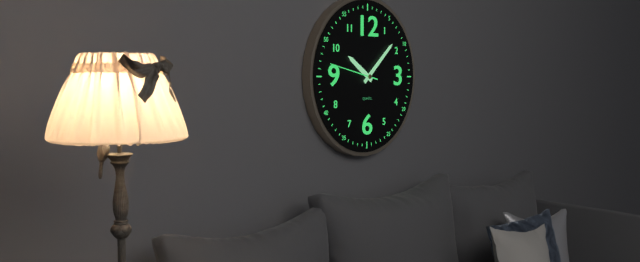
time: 10:08:47
